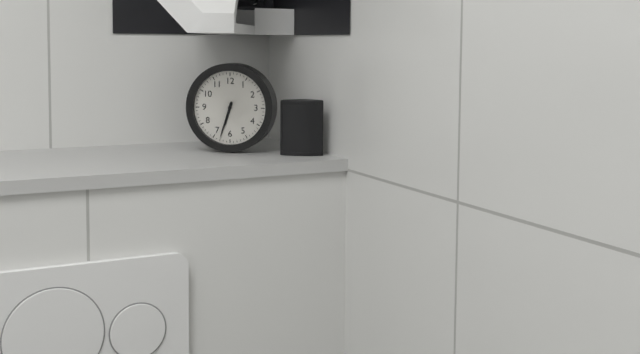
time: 6:33
